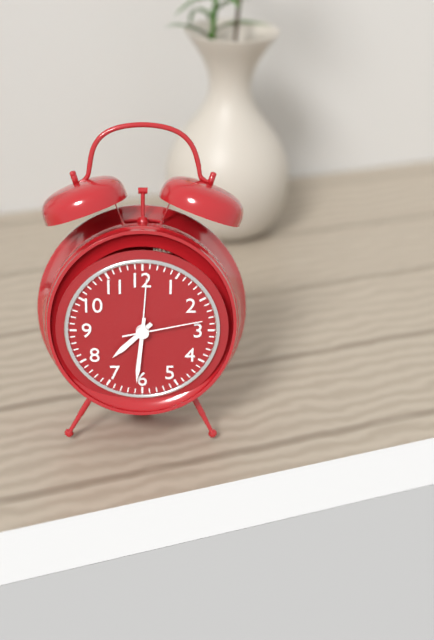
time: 7:31:13
